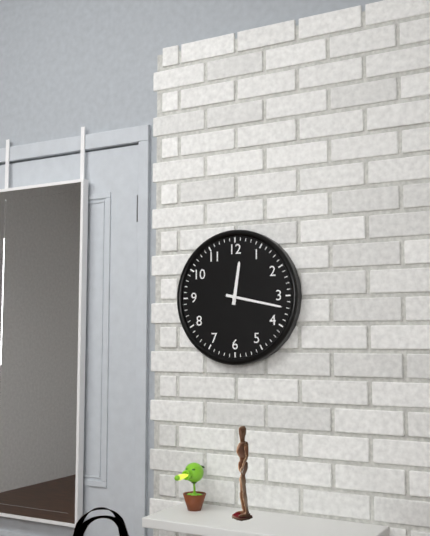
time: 12:17
